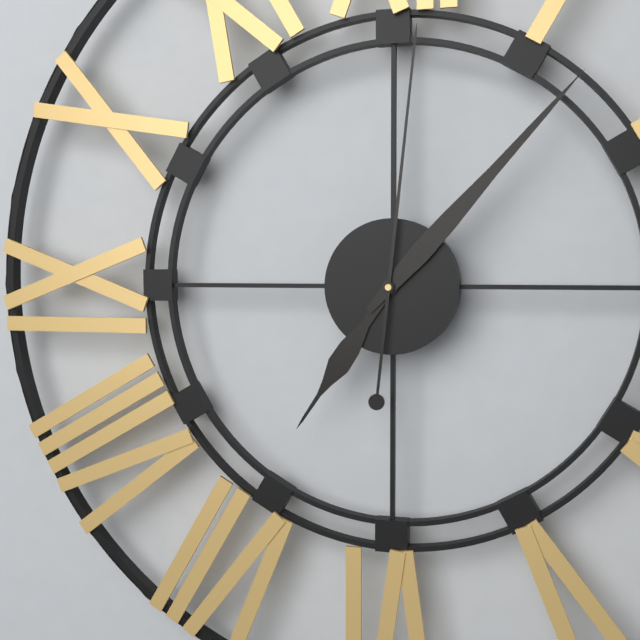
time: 7:07:01
